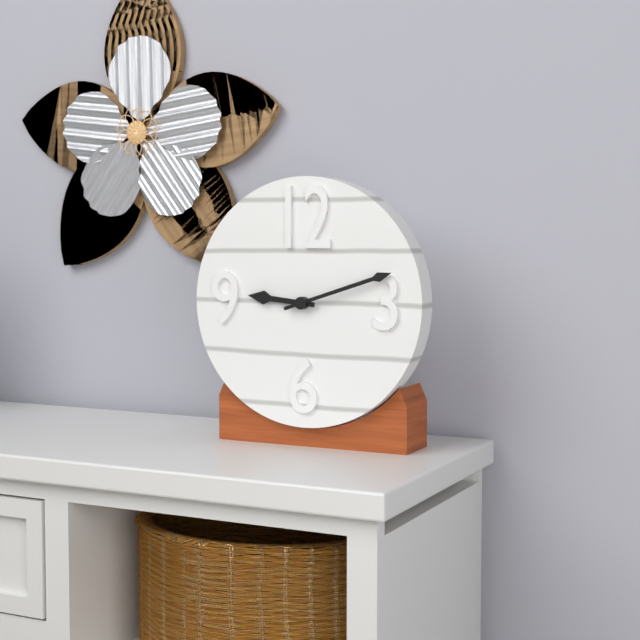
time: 9:12
